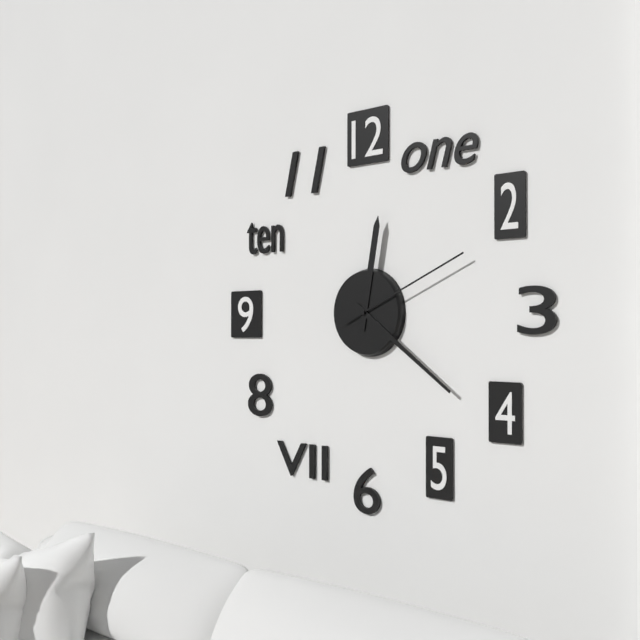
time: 12:21:11
